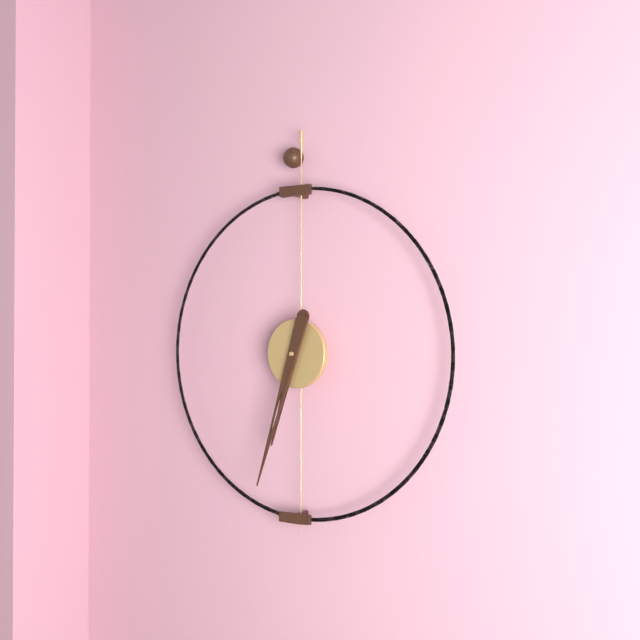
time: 6:33
